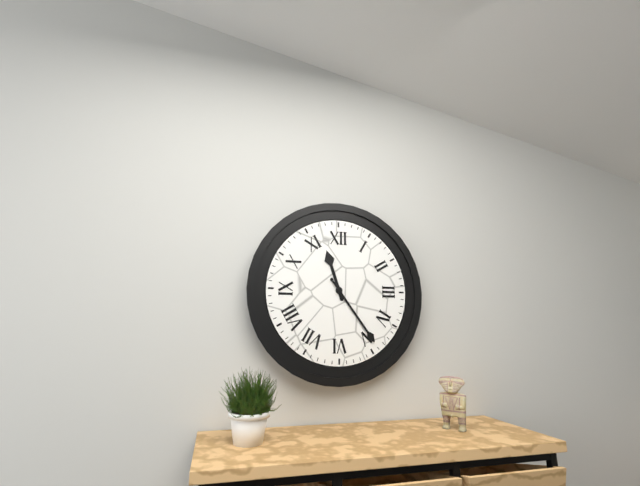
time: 11:24
